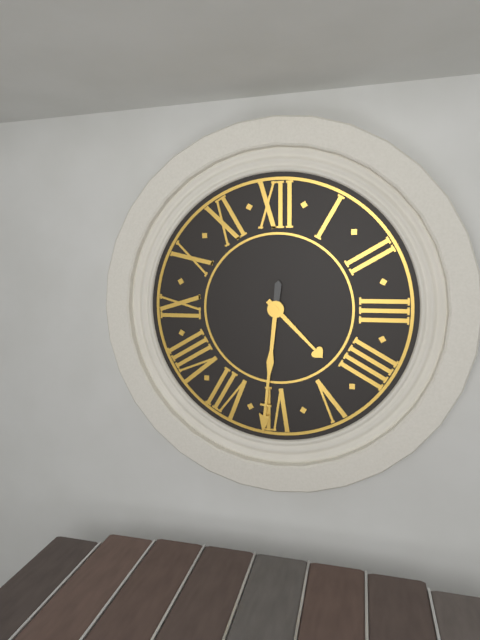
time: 4:31
